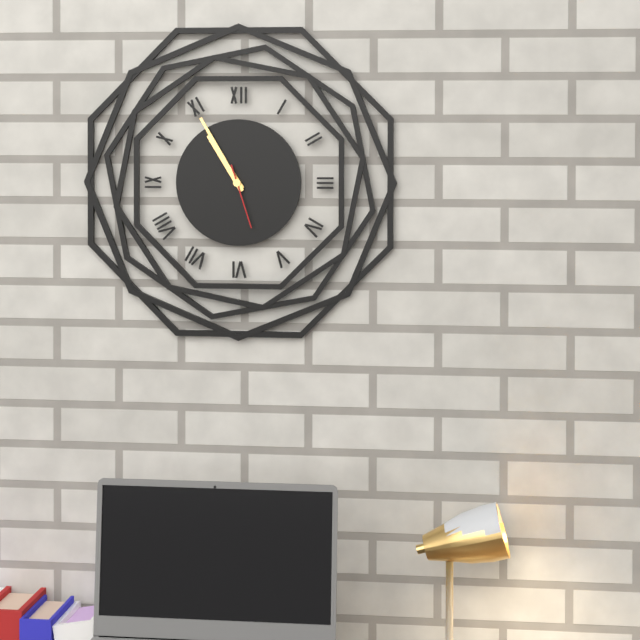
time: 10:55:27
